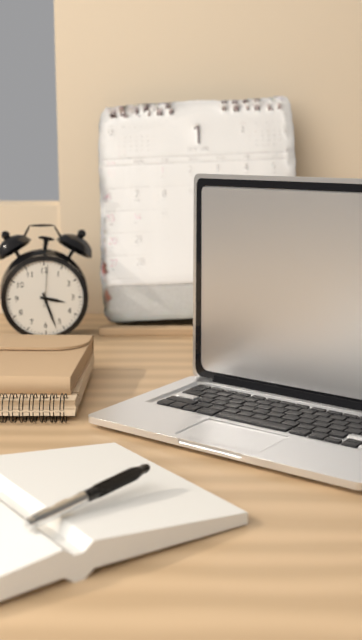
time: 3:27
